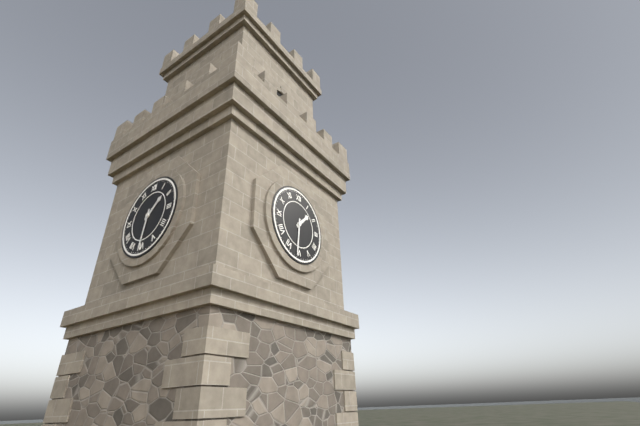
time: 1:31
